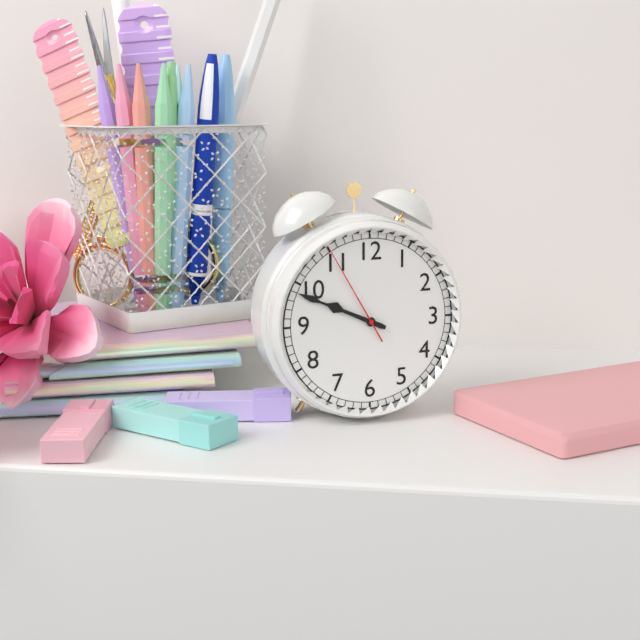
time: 9:49:55
